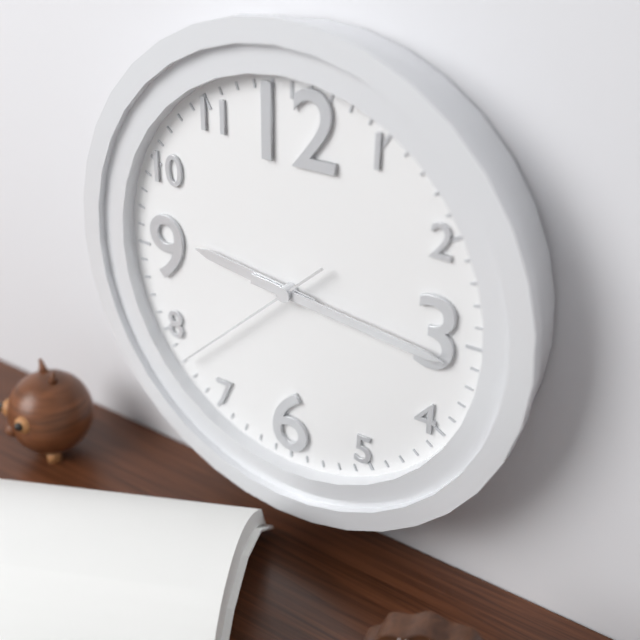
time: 9:16:38
